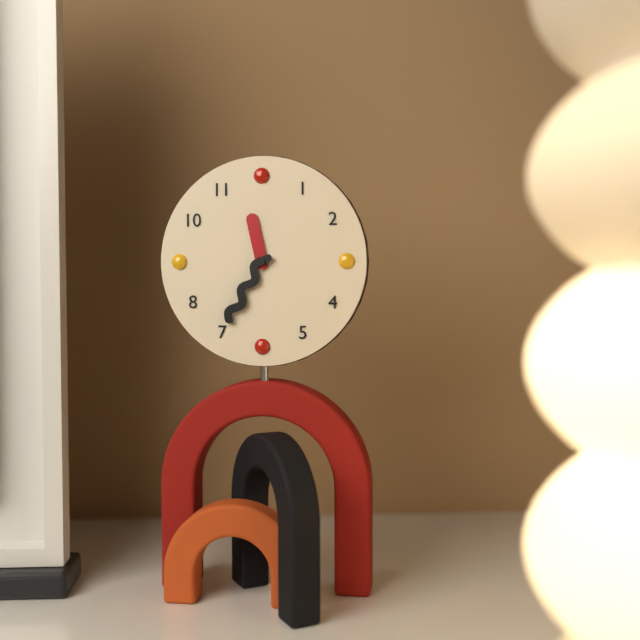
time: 11:35
